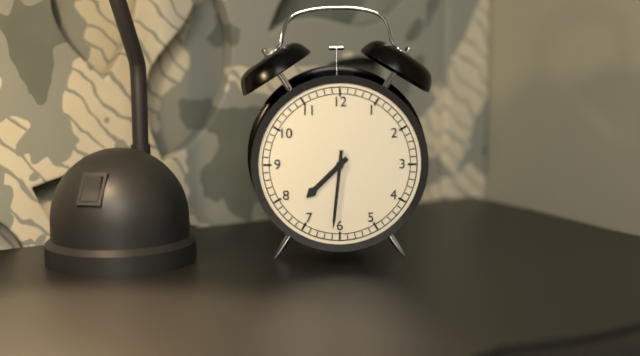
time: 7:31
